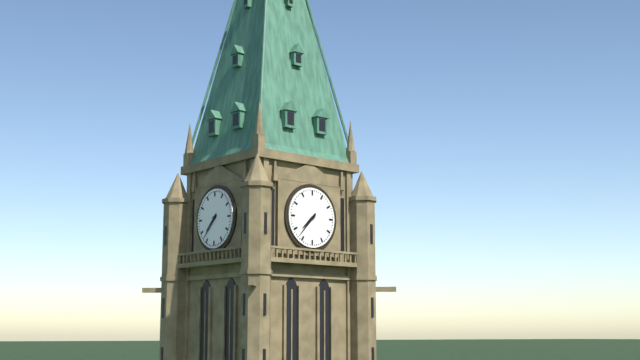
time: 7:37
